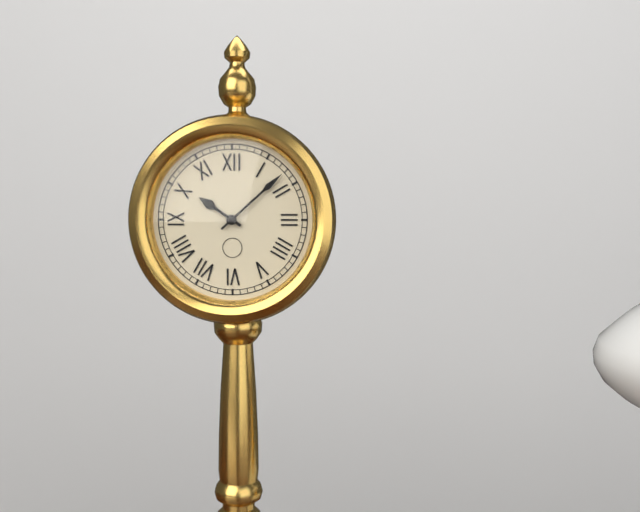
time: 10:08
